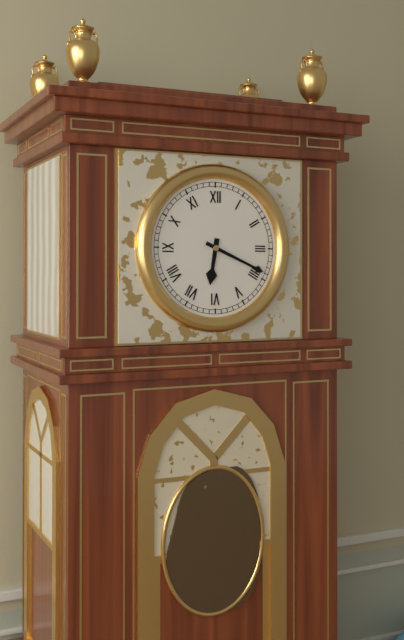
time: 6:19
